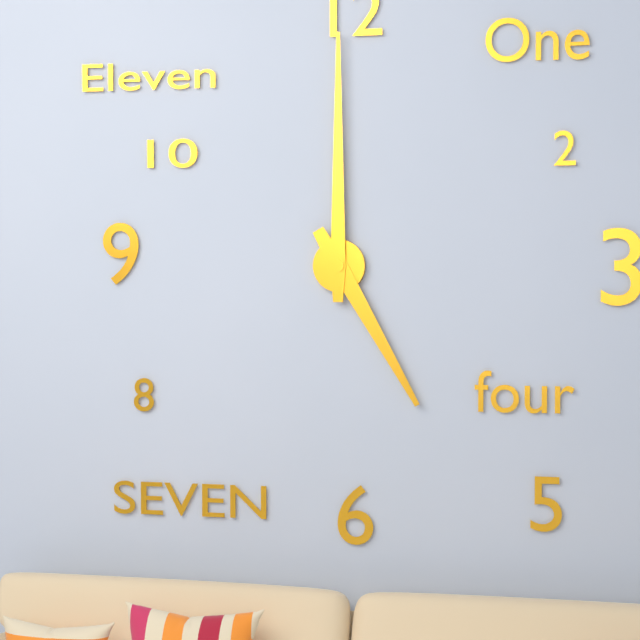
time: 5:00
